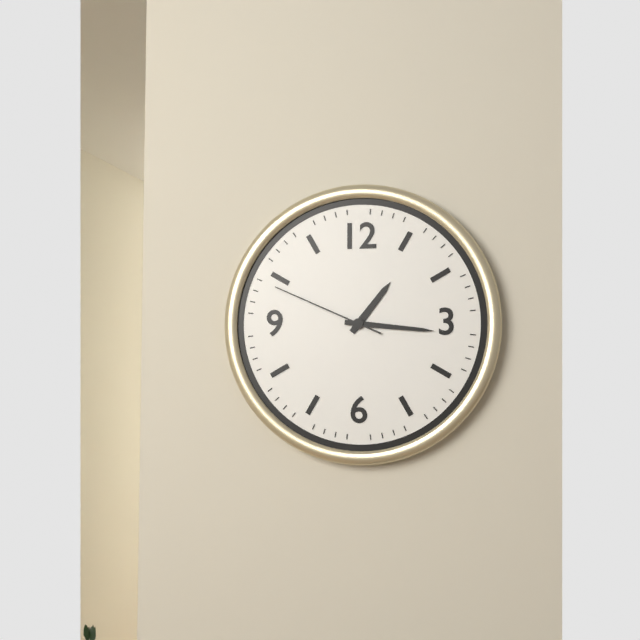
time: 1:16:49
